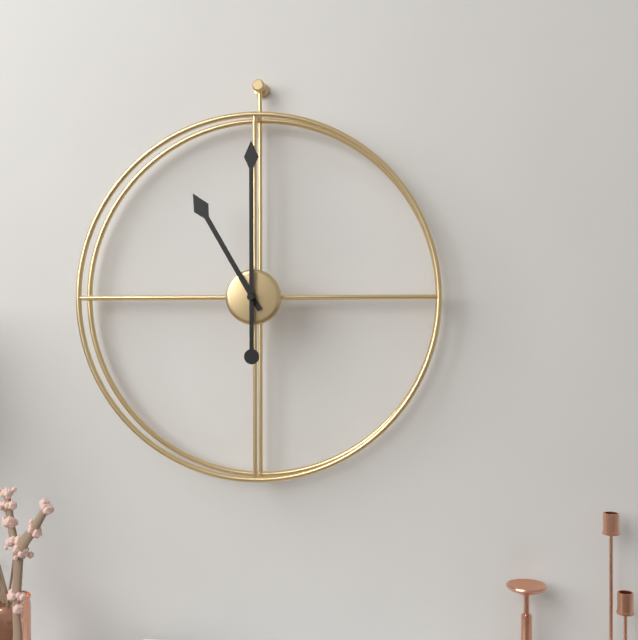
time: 11:00
